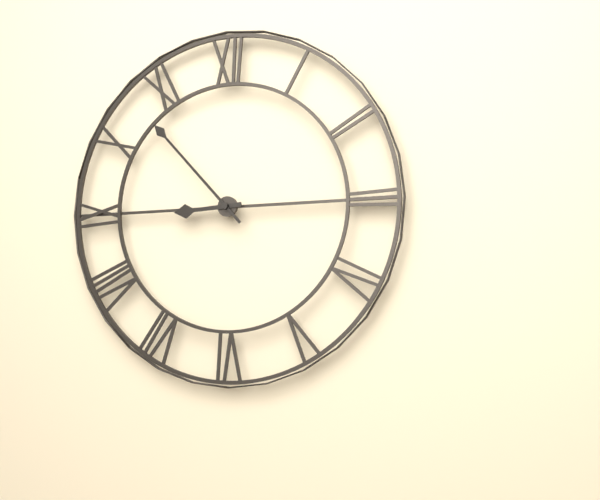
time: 8:53
